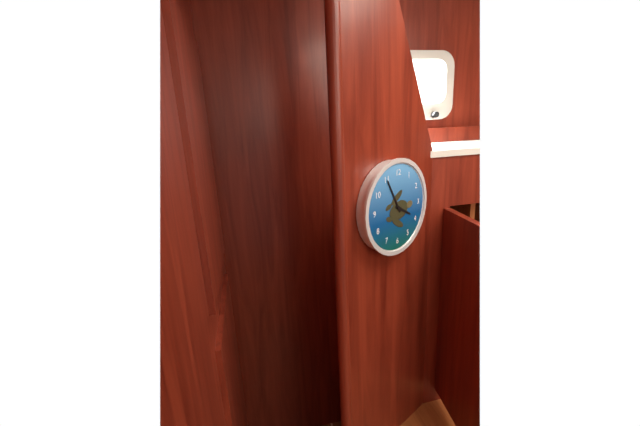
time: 3:55
